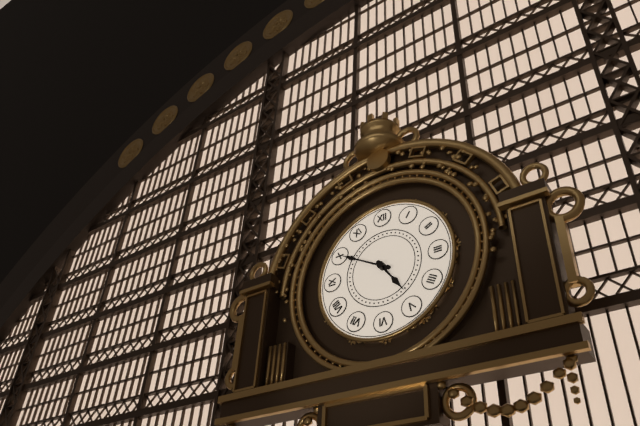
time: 4:50
